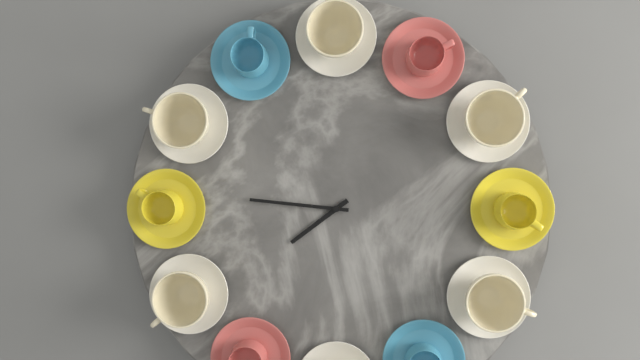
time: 7:46
